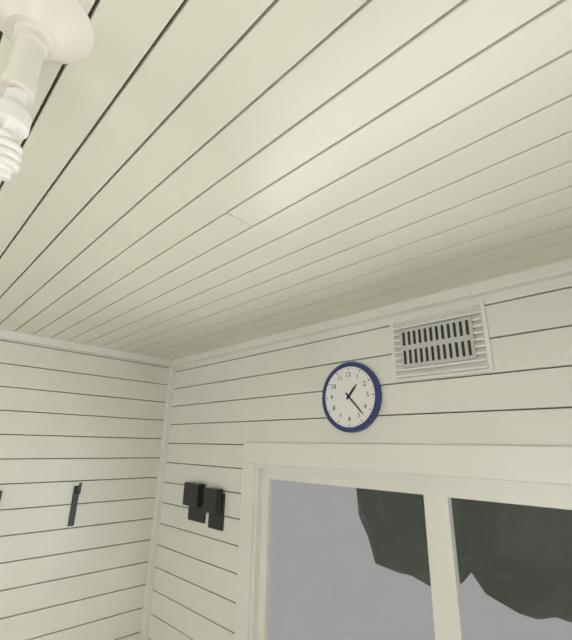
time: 1:23
